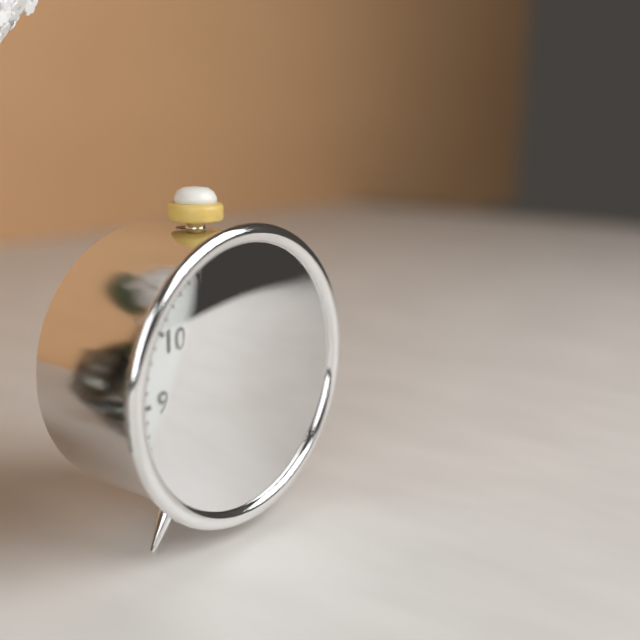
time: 11:15
